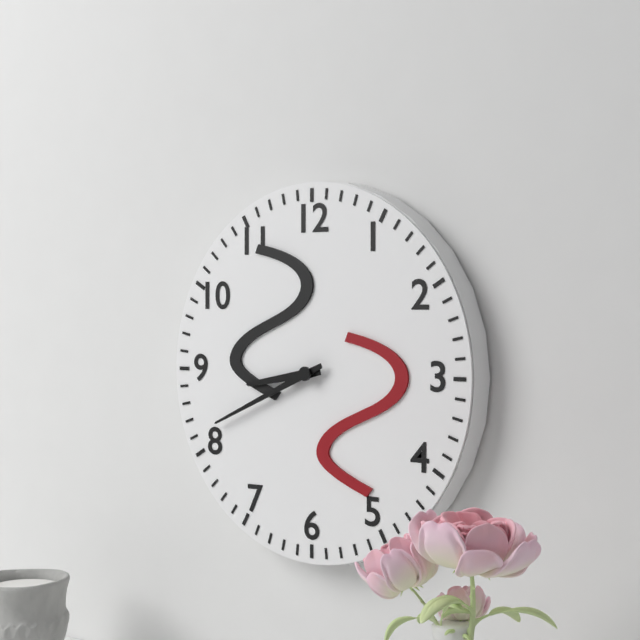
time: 8:41
